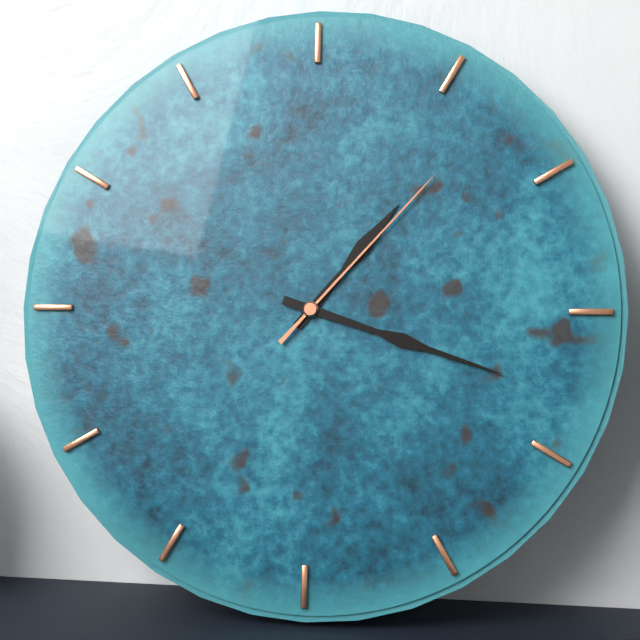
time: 1:18:07
